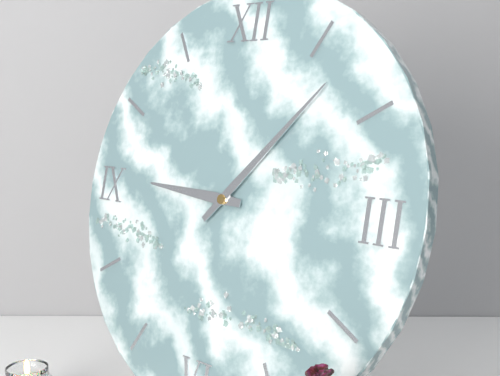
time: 9:07
